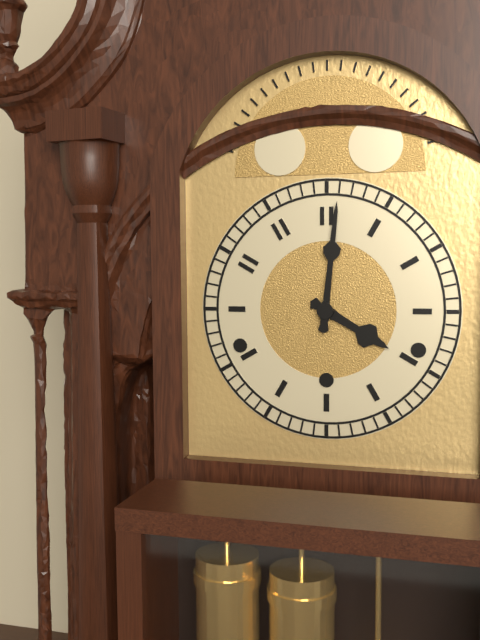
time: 4:01
